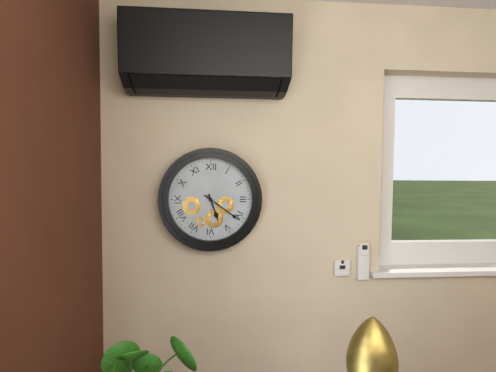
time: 5:21
